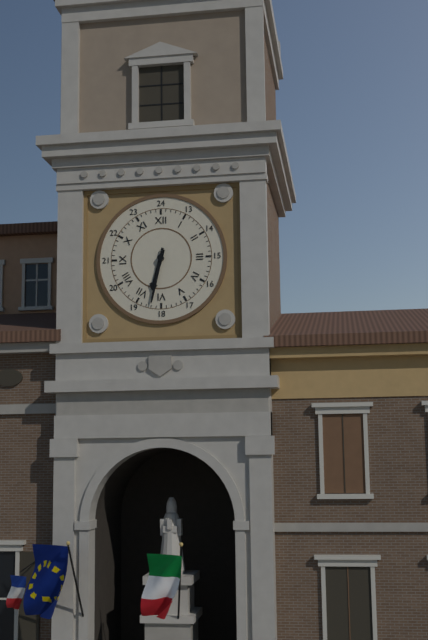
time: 6:32
